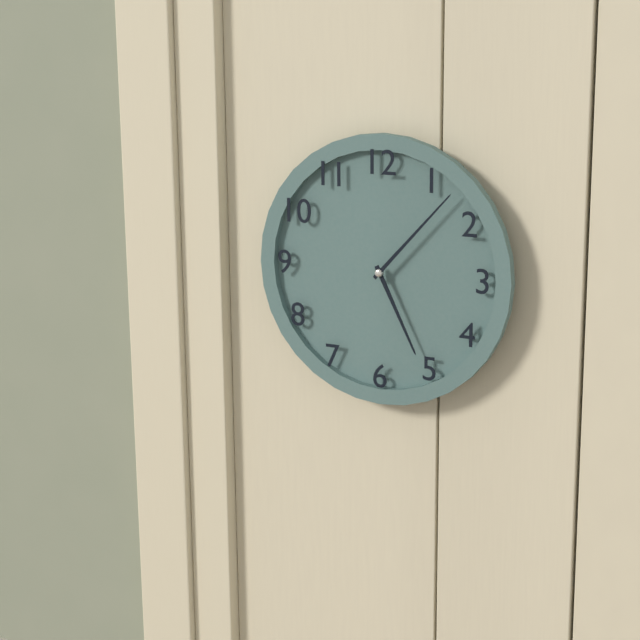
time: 5:07
